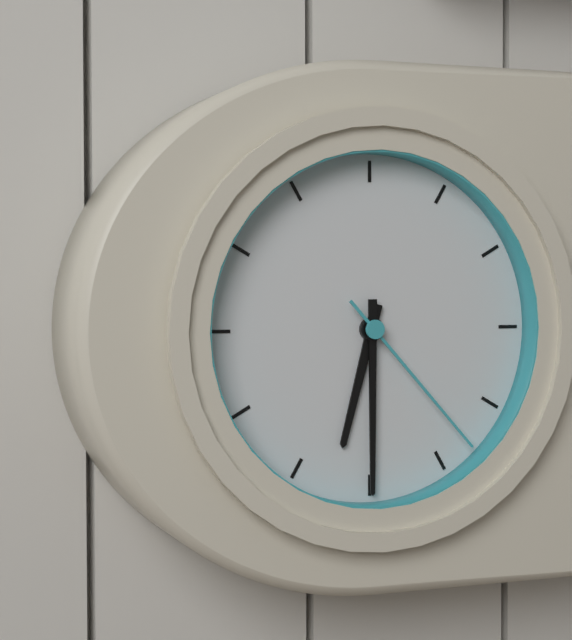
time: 6:30:23
